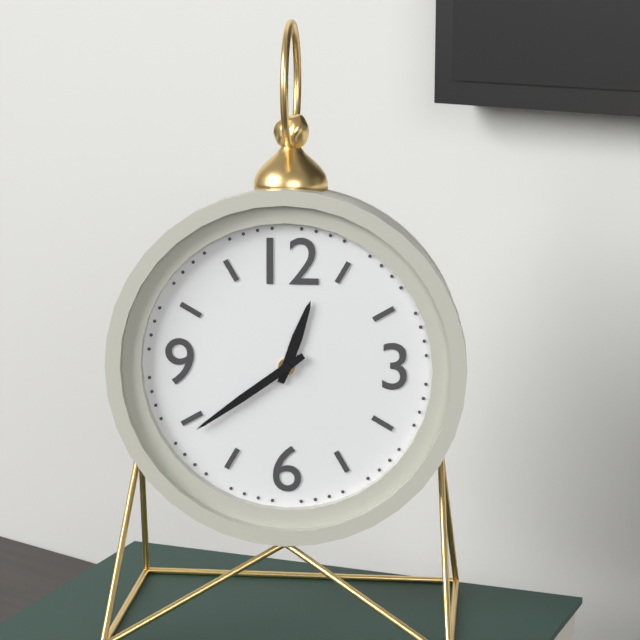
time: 12:39
